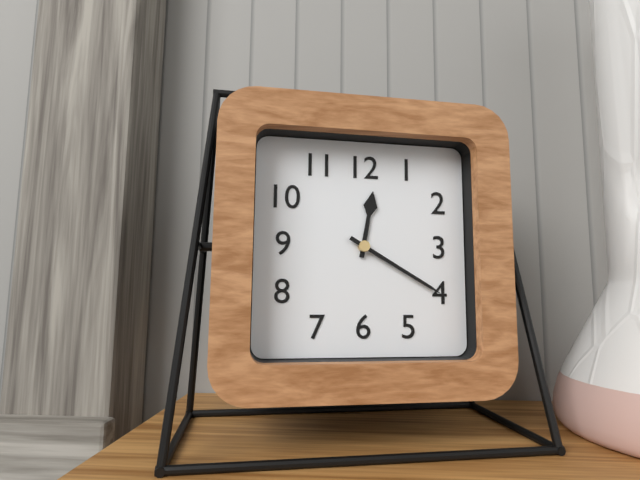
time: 12:20
